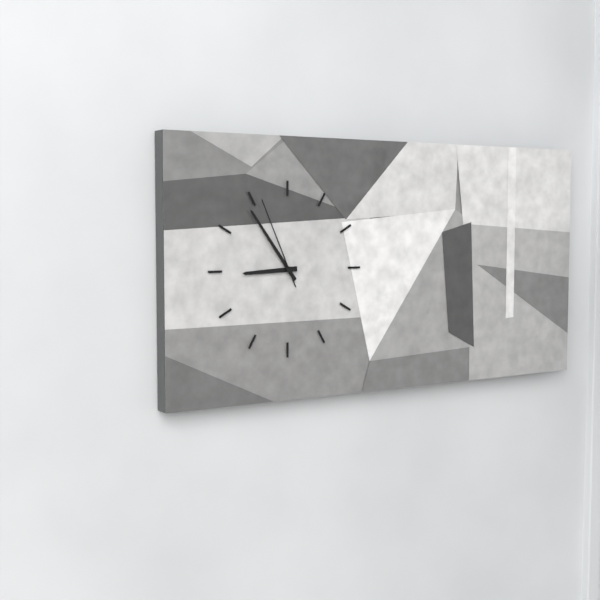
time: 8:54:56
